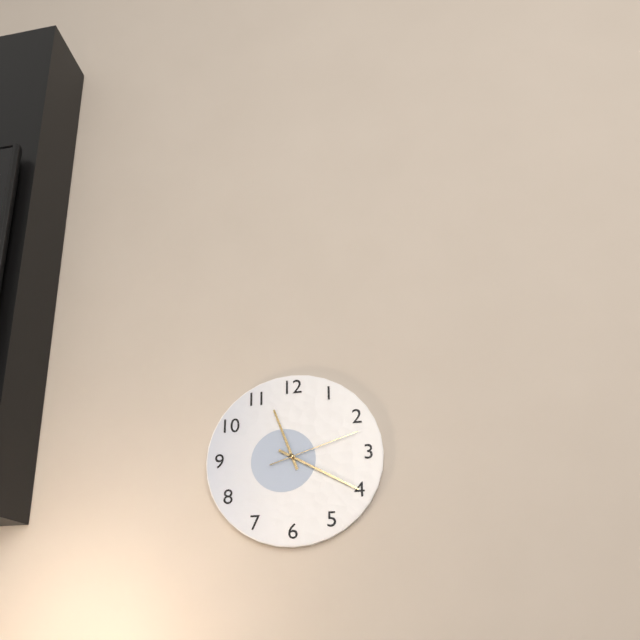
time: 11:20:12
